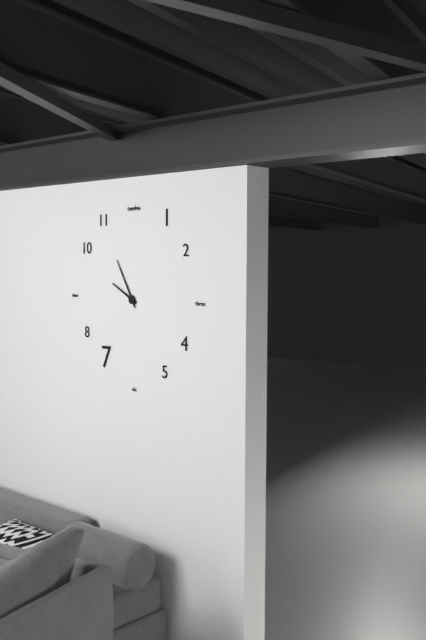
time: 9:55
